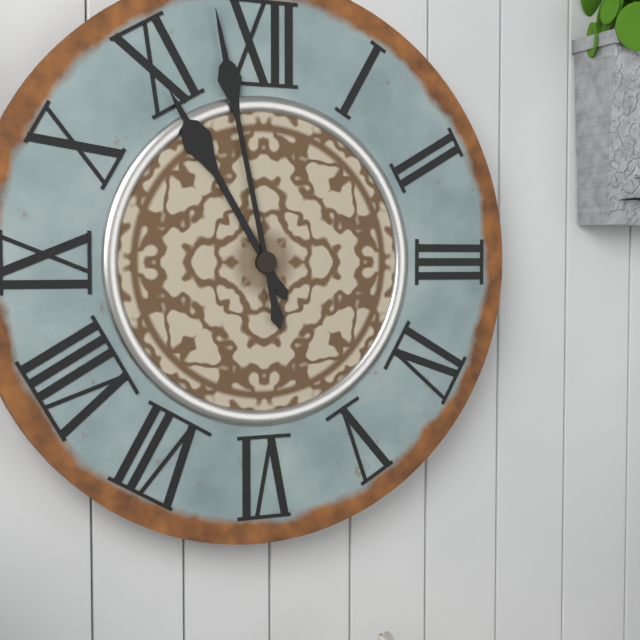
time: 10:58
